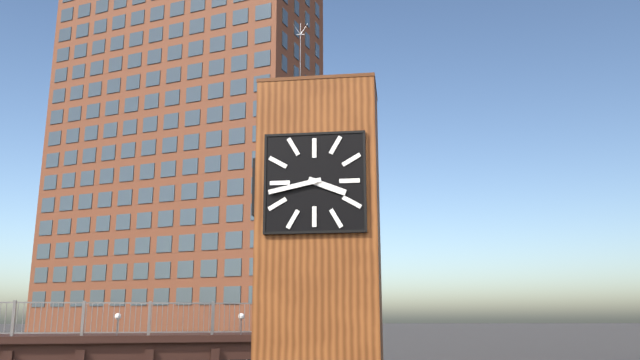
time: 3:43
